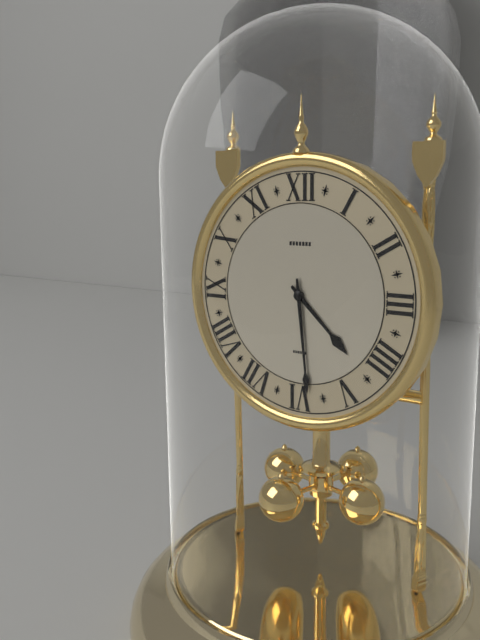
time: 4:29
